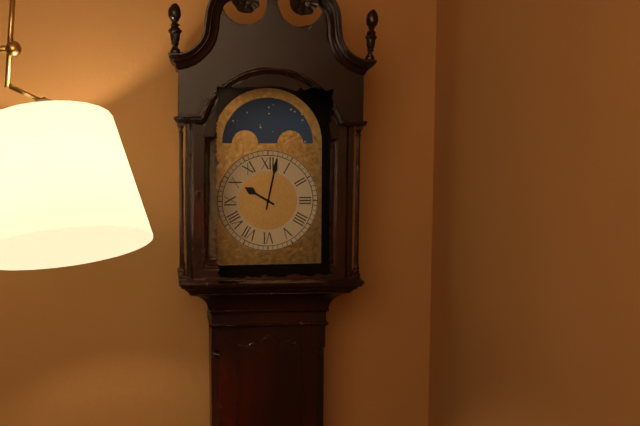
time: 10:02
